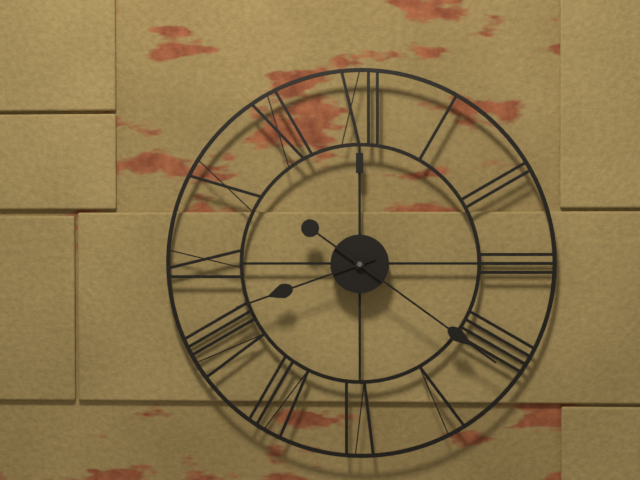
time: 8:21
